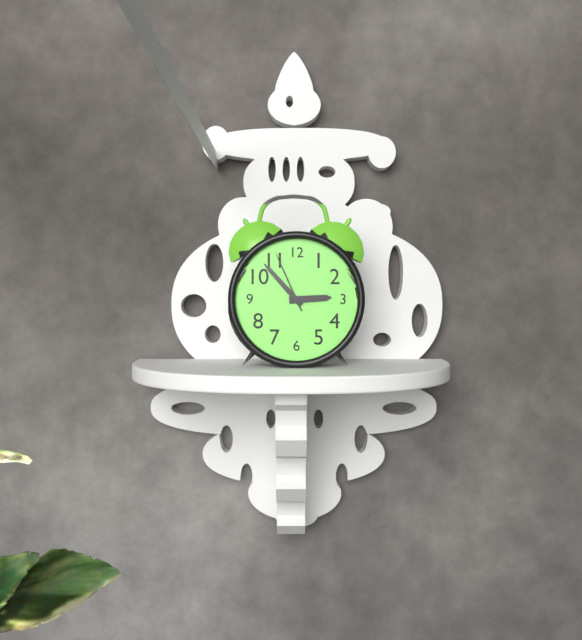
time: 2:53:56
